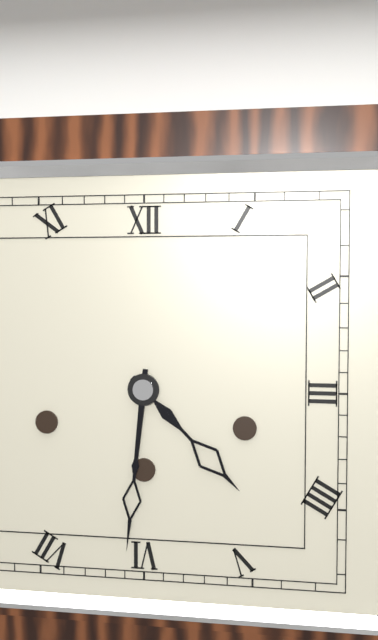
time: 4:31
